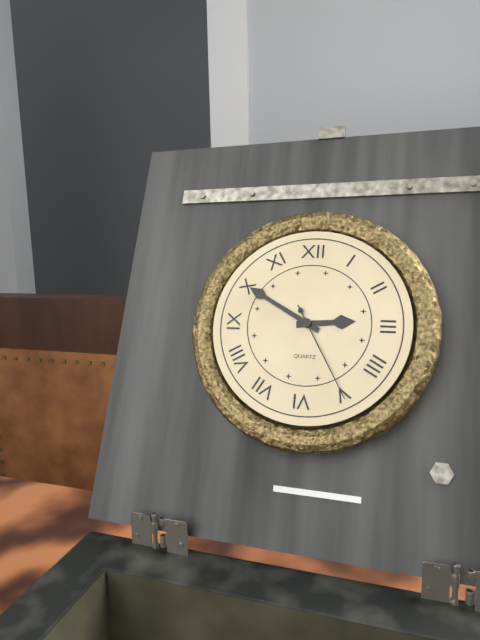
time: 2:50:25
